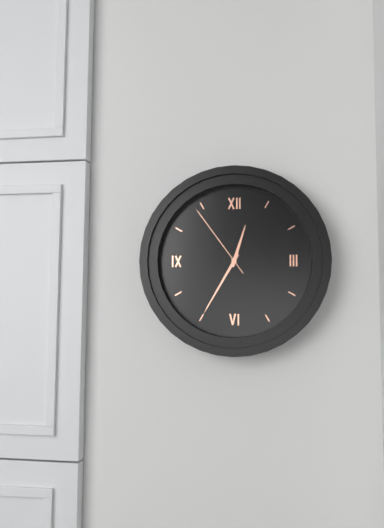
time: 12:35:54
